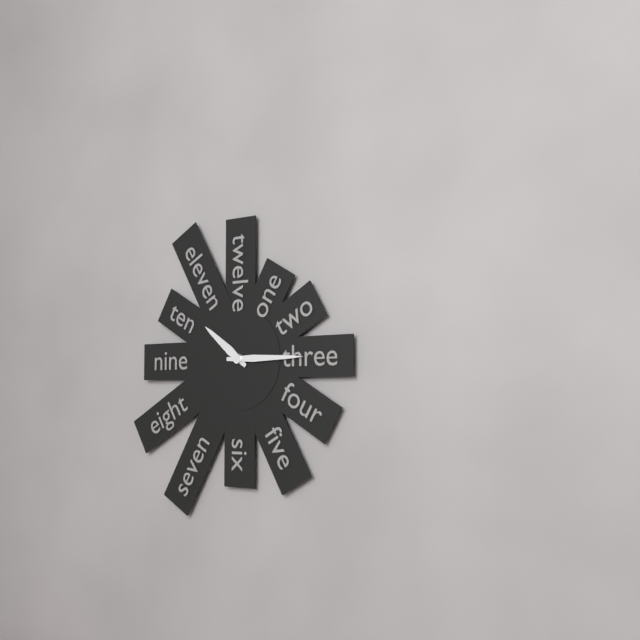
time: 10:15
